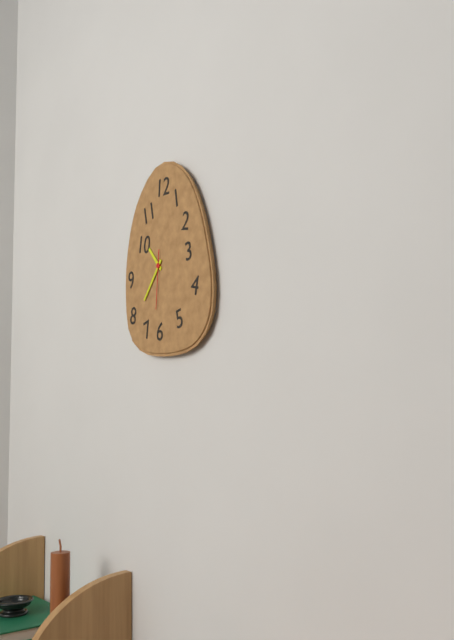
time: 10:37:31
